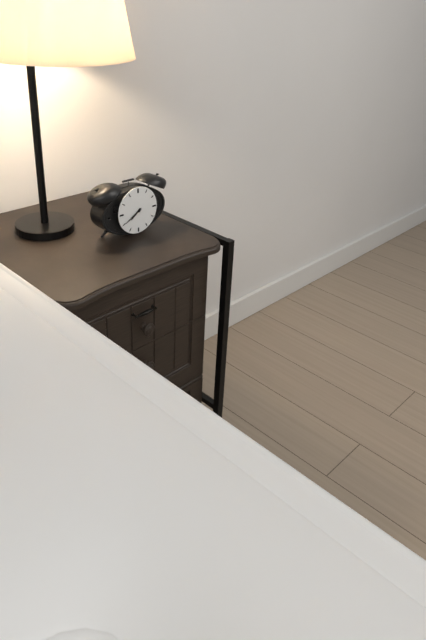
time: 7:40
